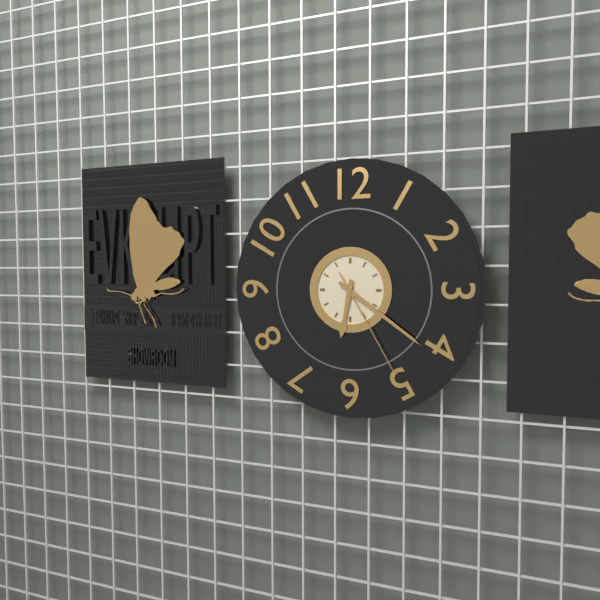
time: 6:21:25
